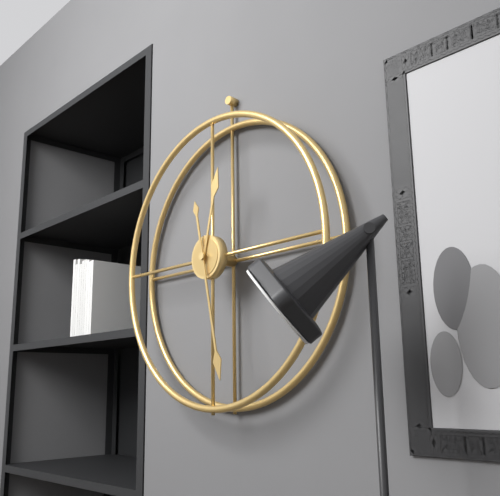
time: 12:28
